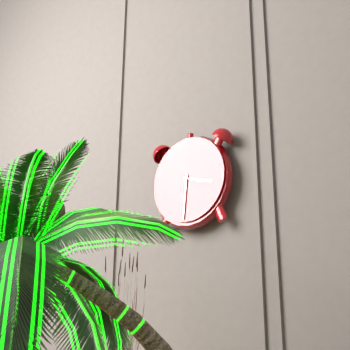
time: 3:31
